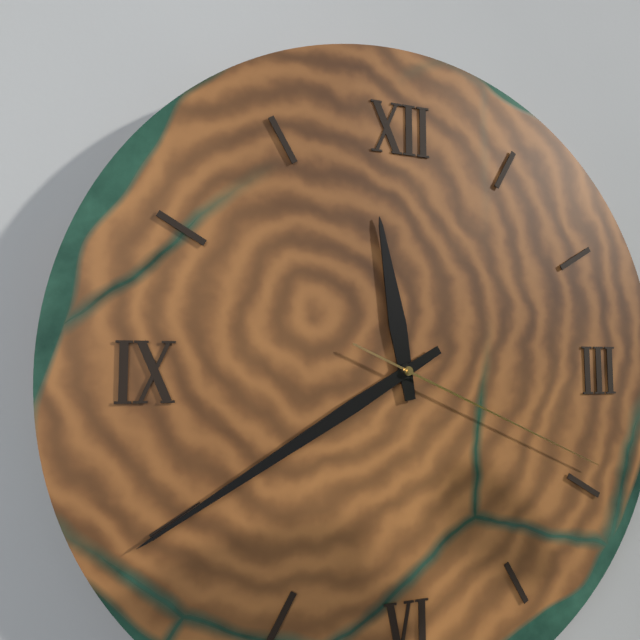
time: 11:40:19
